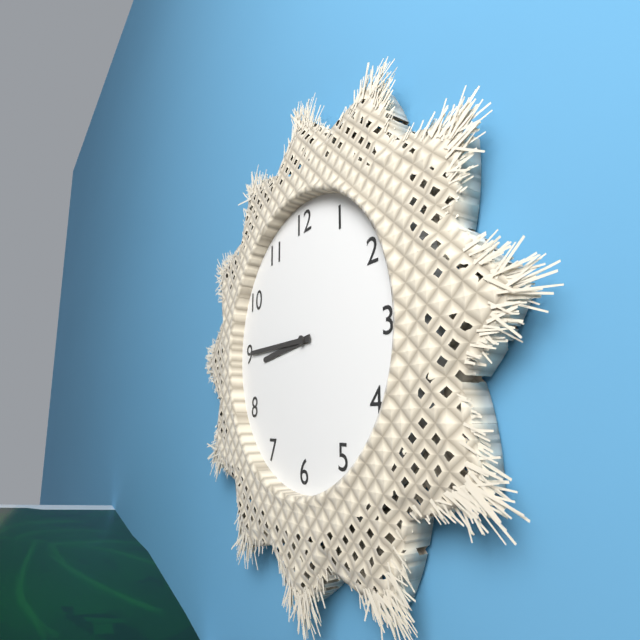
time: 8:45
